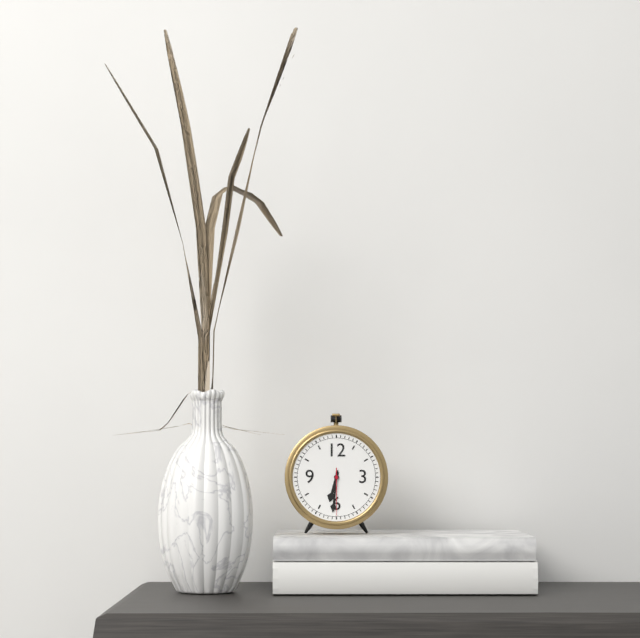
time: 6:31
